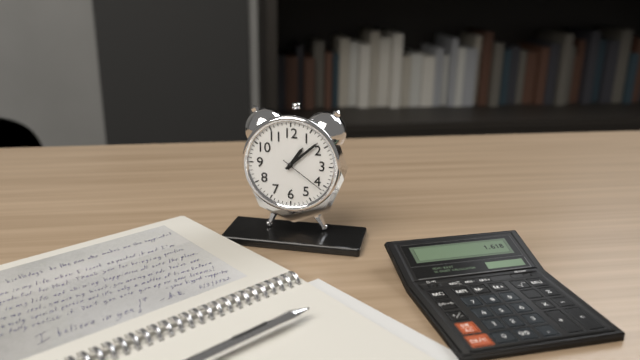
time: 1:08
